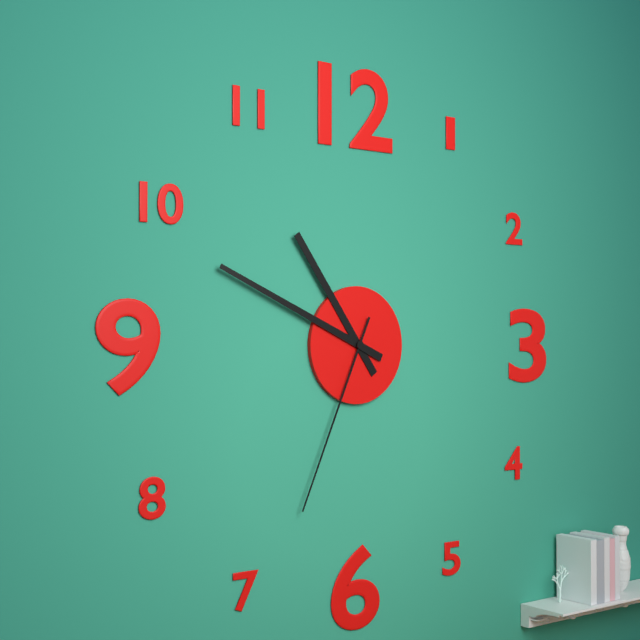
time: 10:49:34
